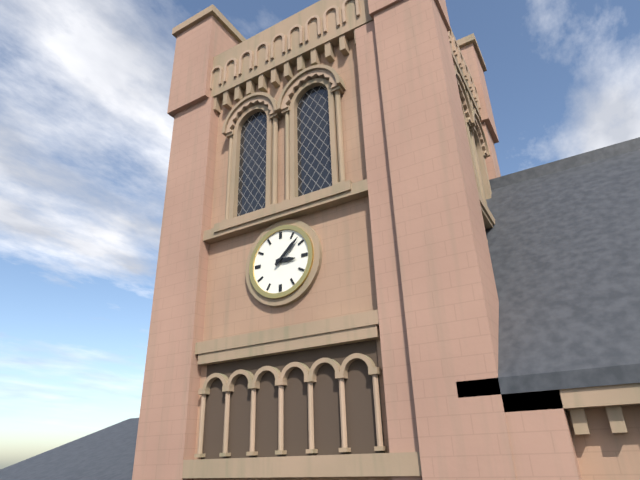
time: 3:08
